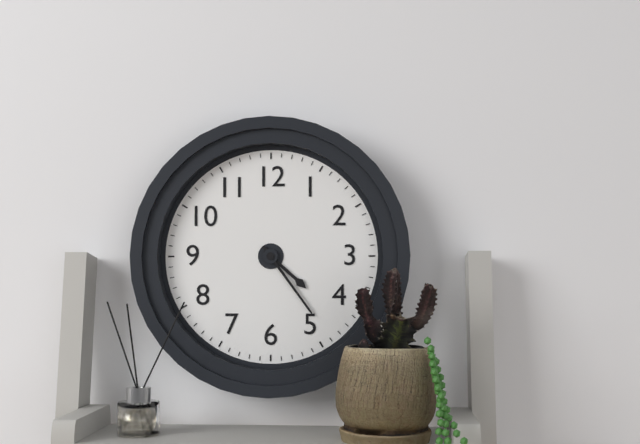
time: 4:24
